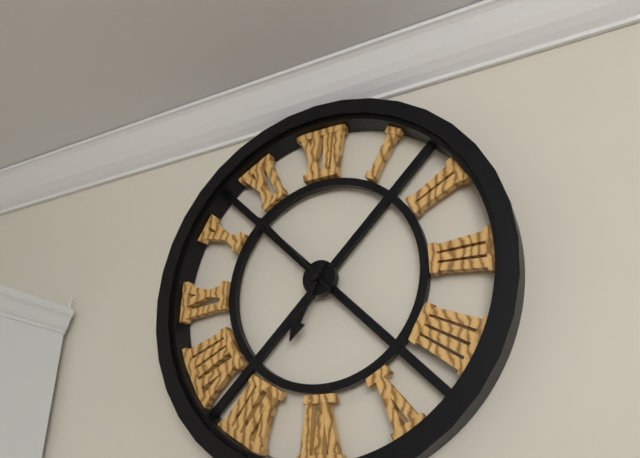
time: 6:53
